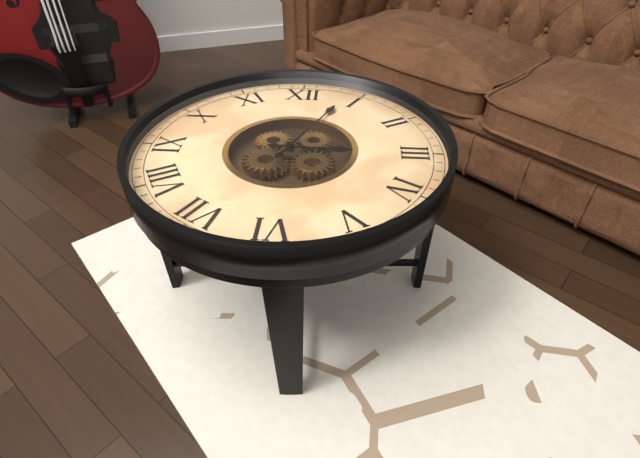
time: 3:04
